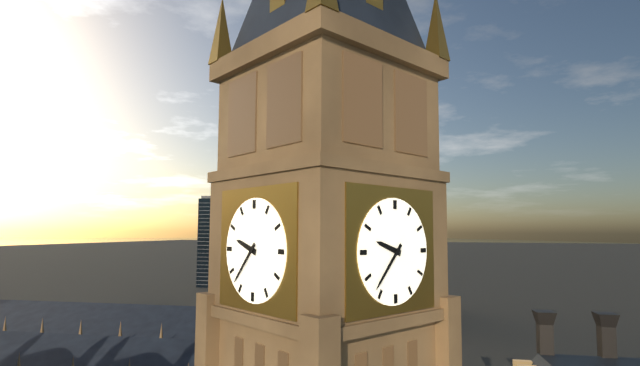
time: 9:37
